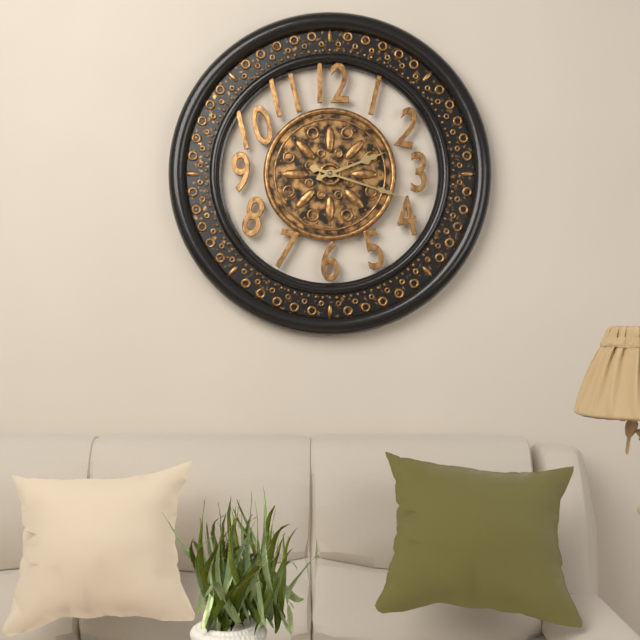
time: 2:18
